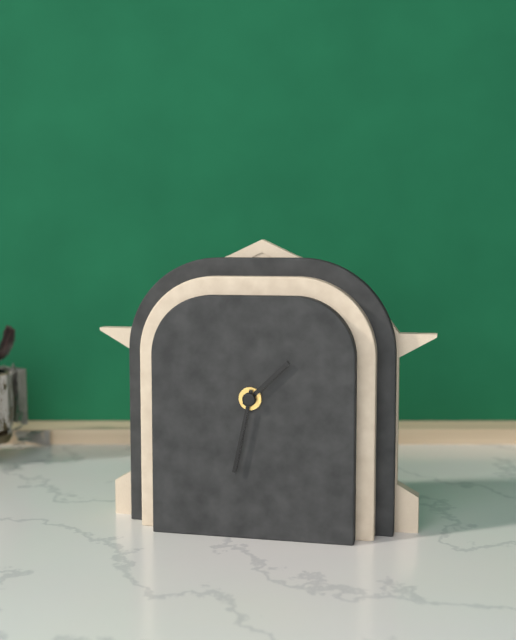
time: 1:32
